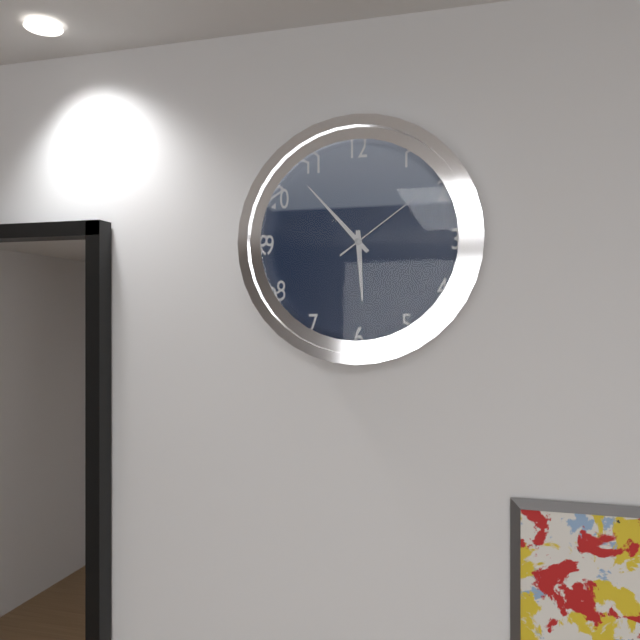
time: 5:53:09
